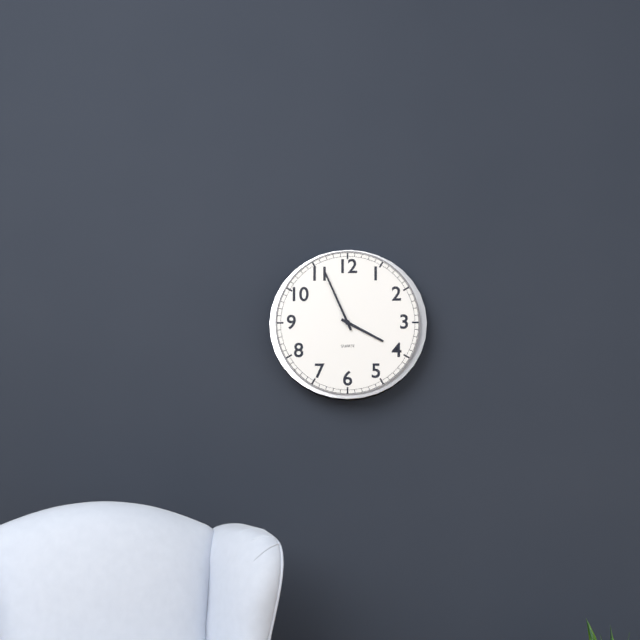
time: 3:56
